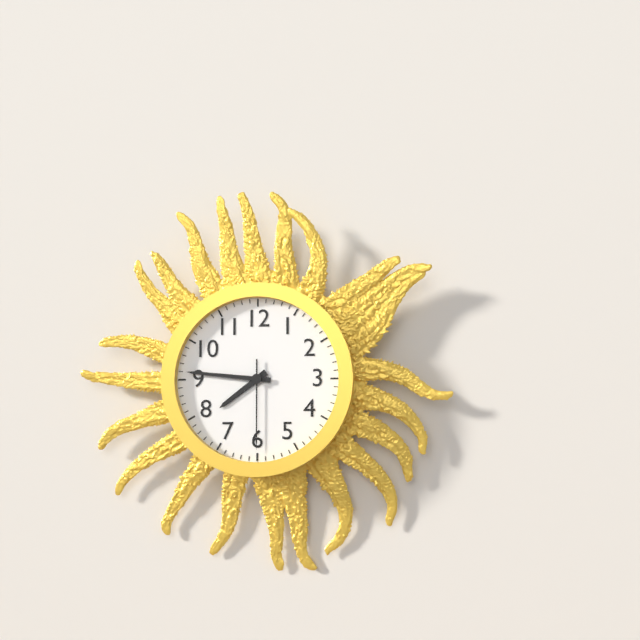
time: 7:46:30
